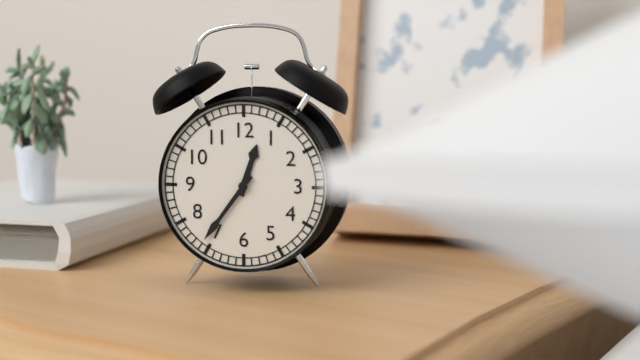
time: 12:36
